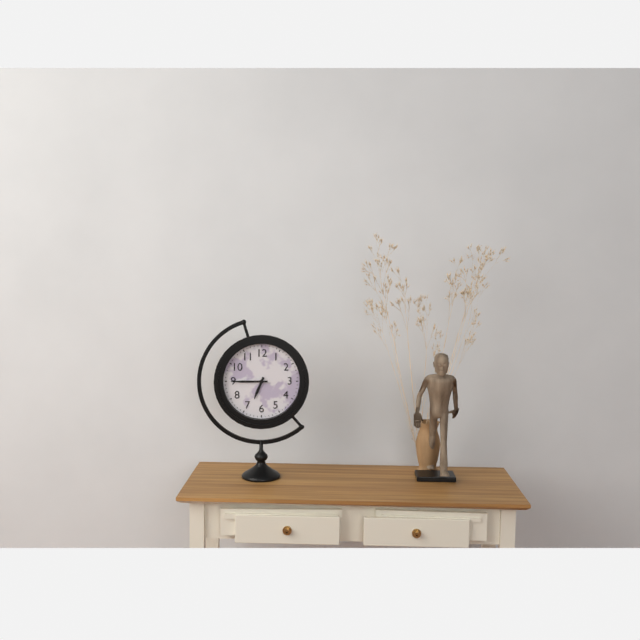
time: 6:45
